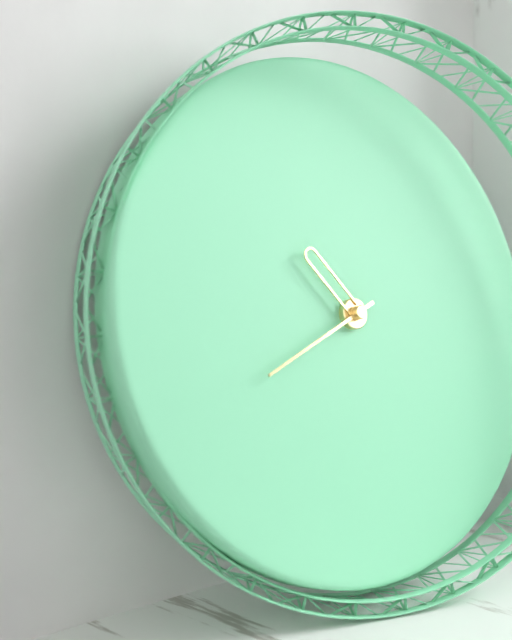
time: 10:41
